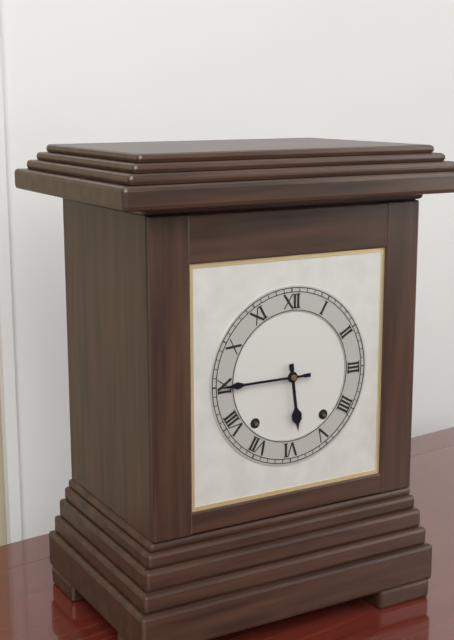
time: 5:45
